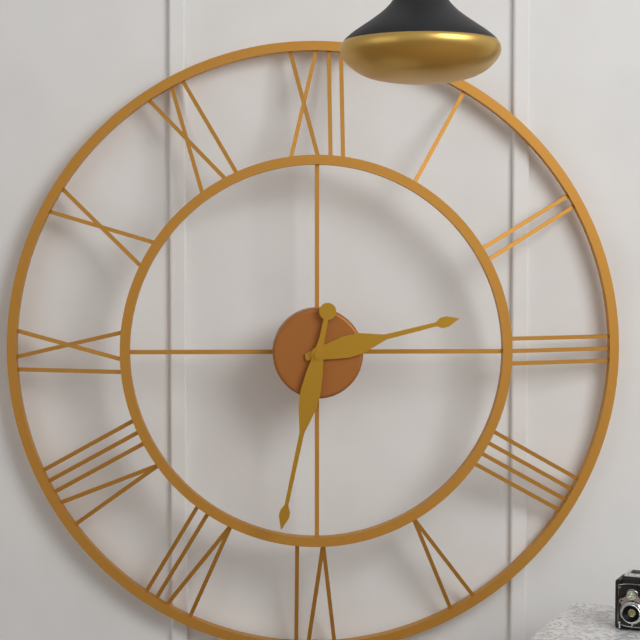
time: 2:32
